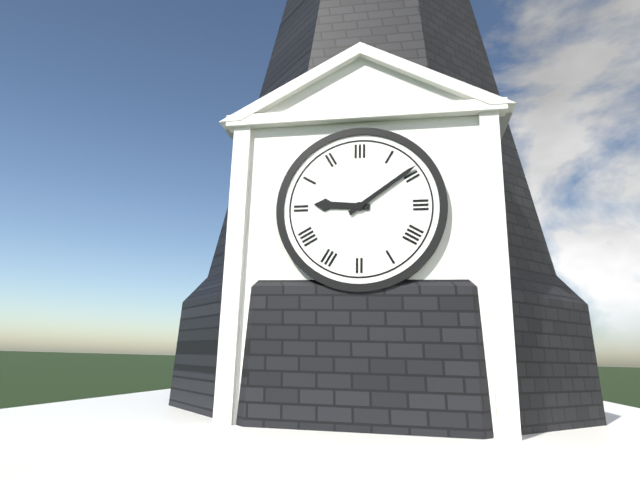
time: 9:09
